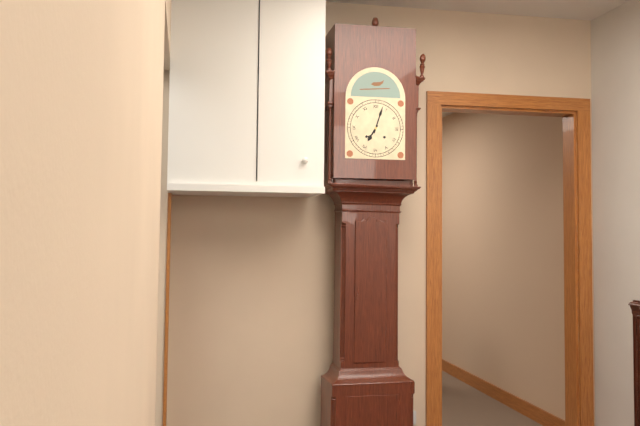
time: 7:03
